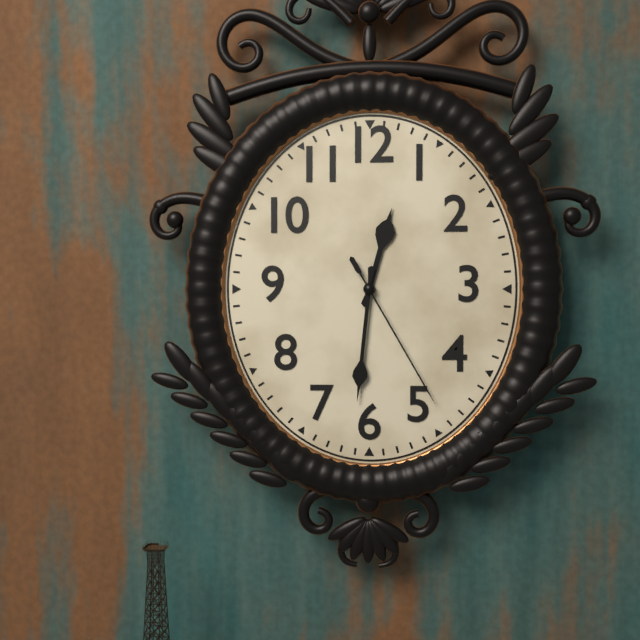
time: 12:31:25
